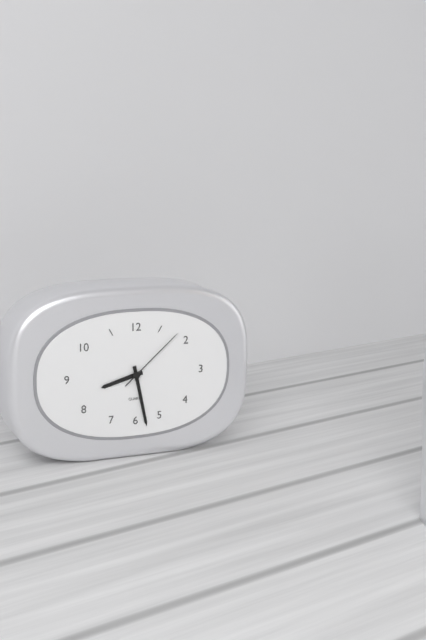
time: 8:28:08
